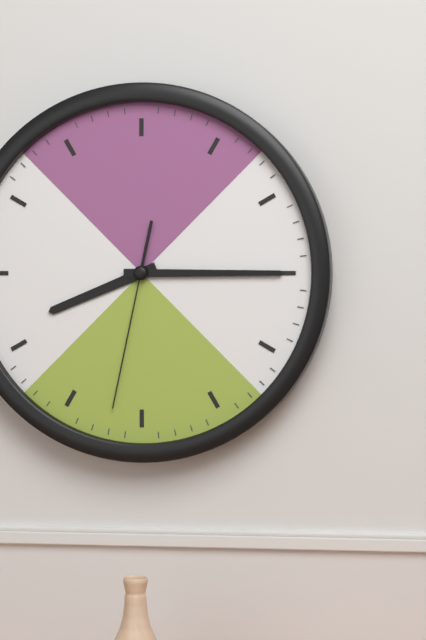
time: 8:15:32
